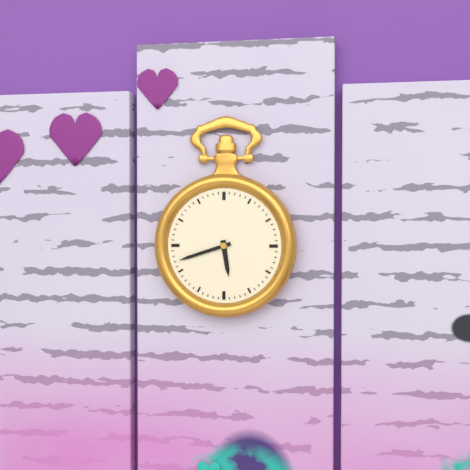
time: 5:42
